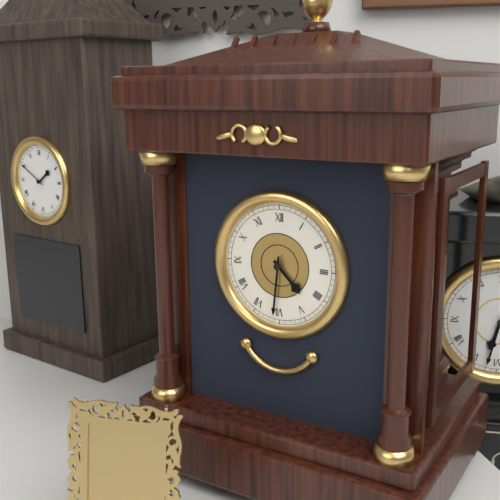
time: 4:31
